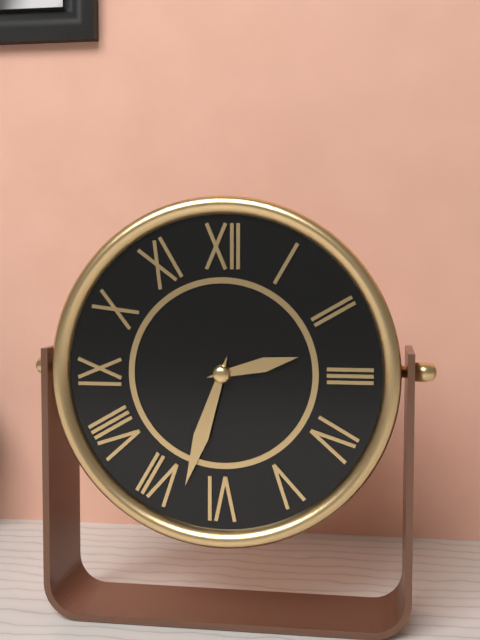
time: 2:33
